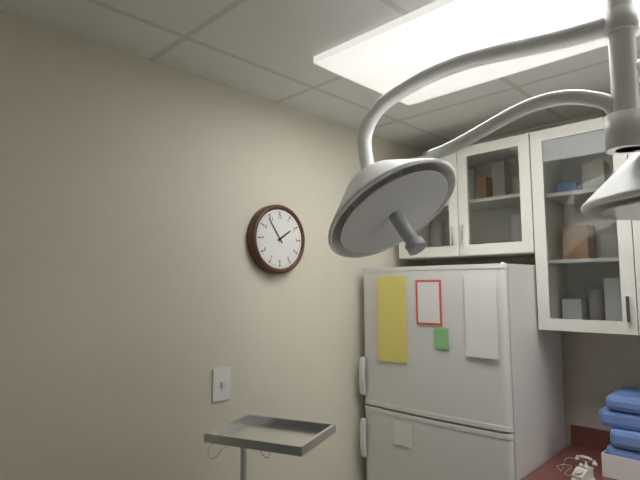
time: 1:54
